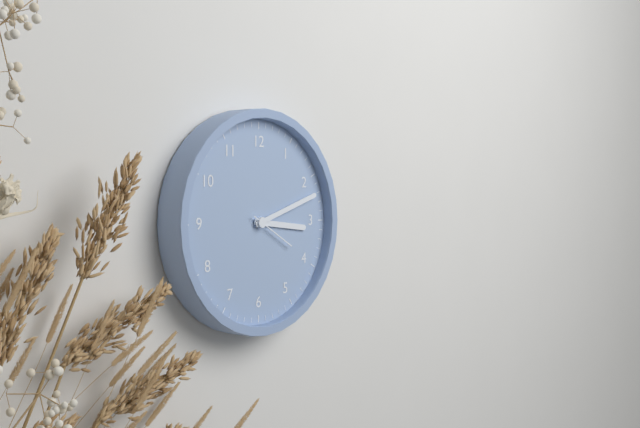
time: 3:12
